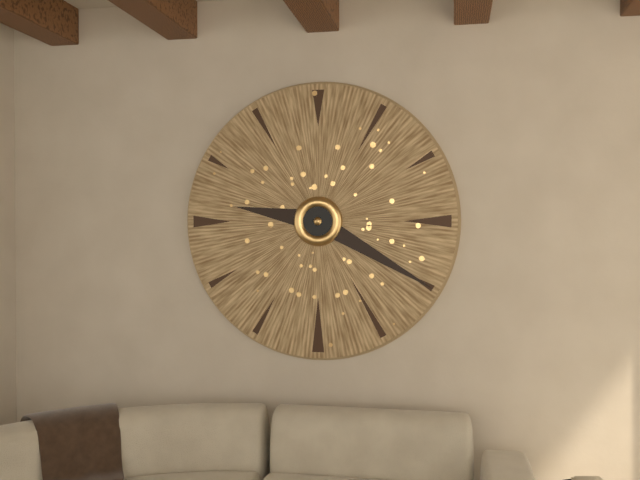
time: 9:20
